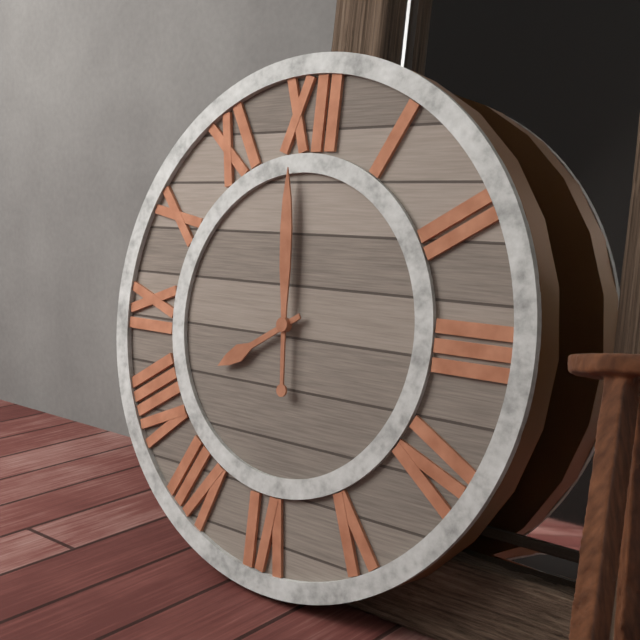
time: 7:59
